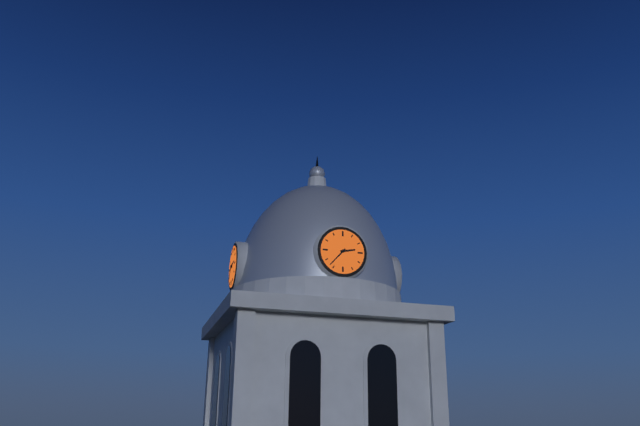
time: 2:37
